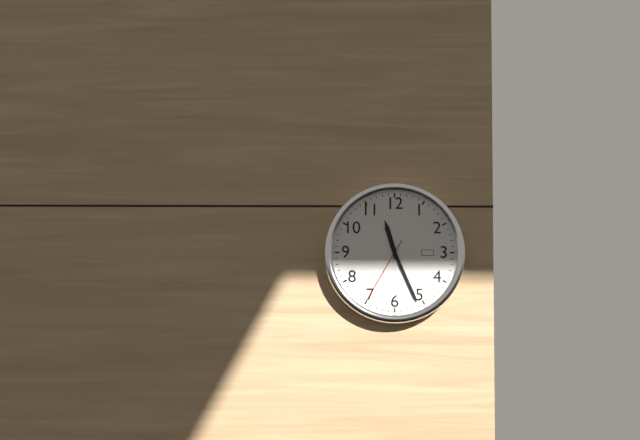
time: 11:26:35
